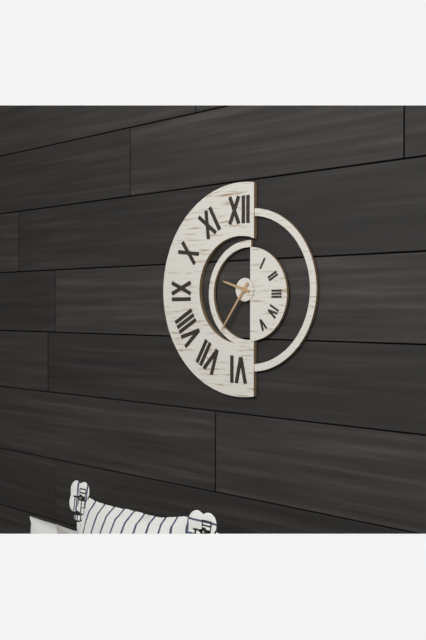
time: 9:36
